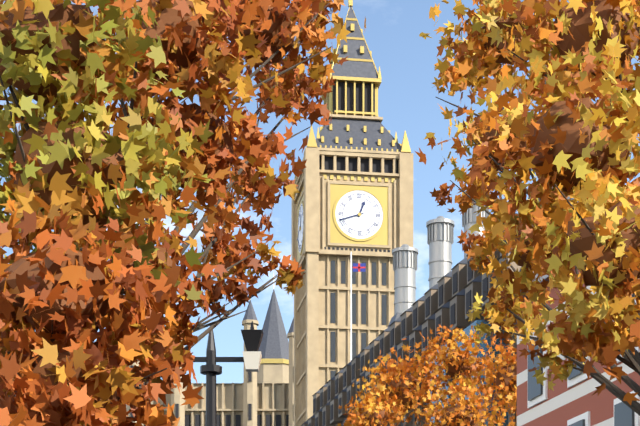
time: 12:42
